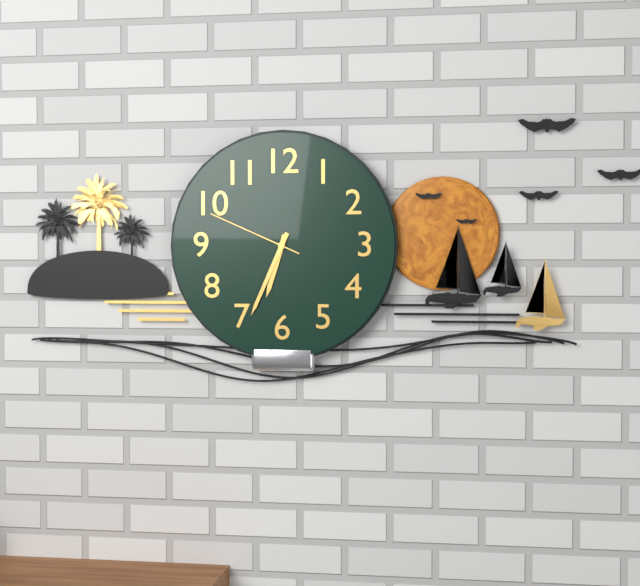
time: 6:34:49
